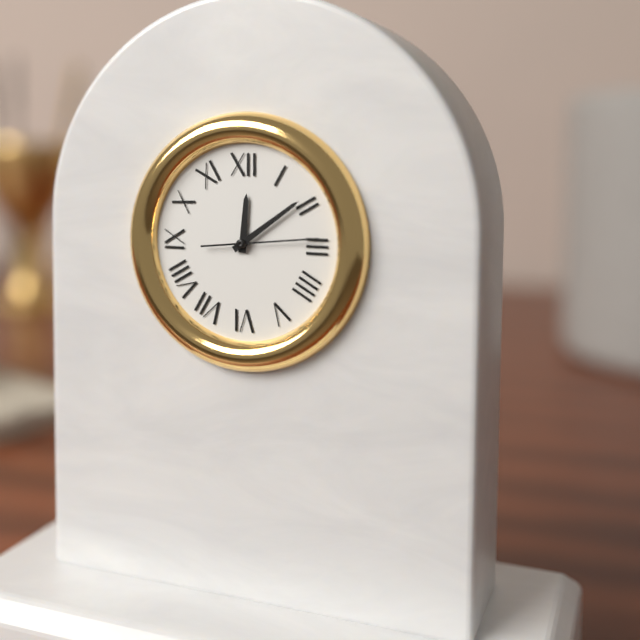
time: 12:09:14
